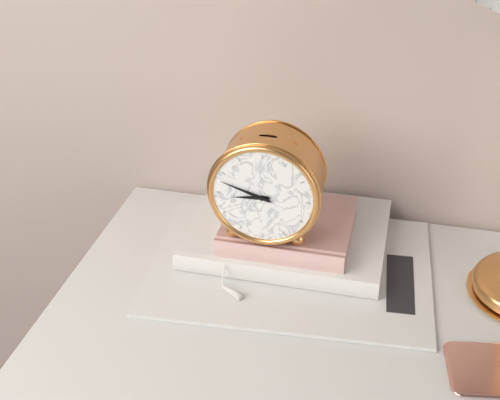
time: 8:48
